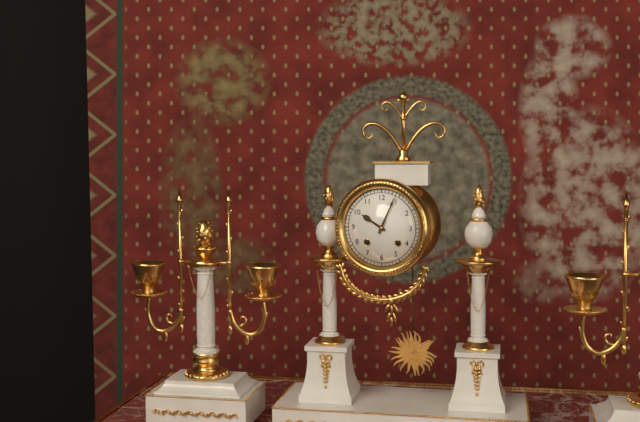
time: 10:04
